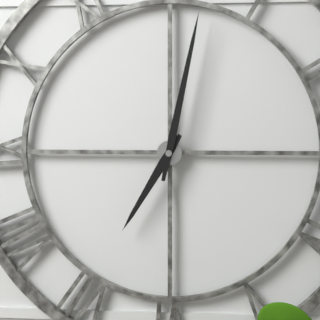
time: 7:02
